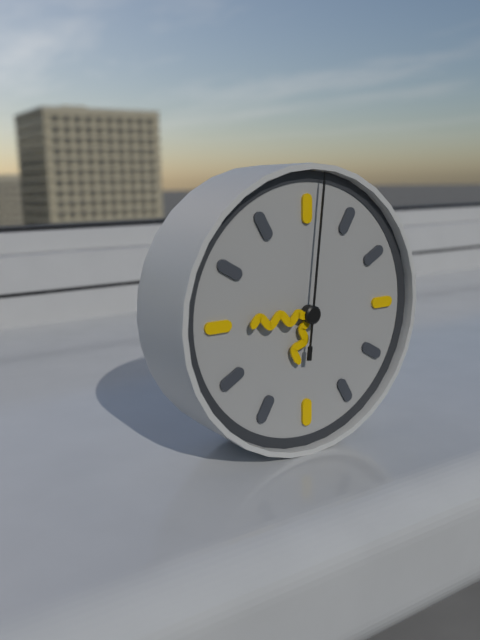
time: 6:45:01
